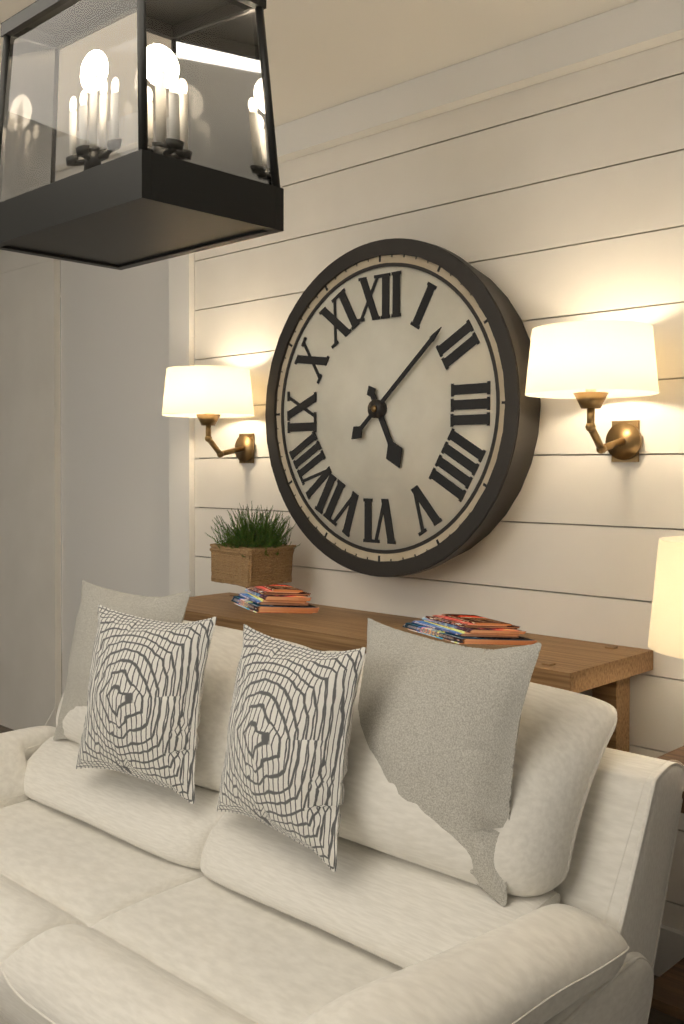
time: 5:08
